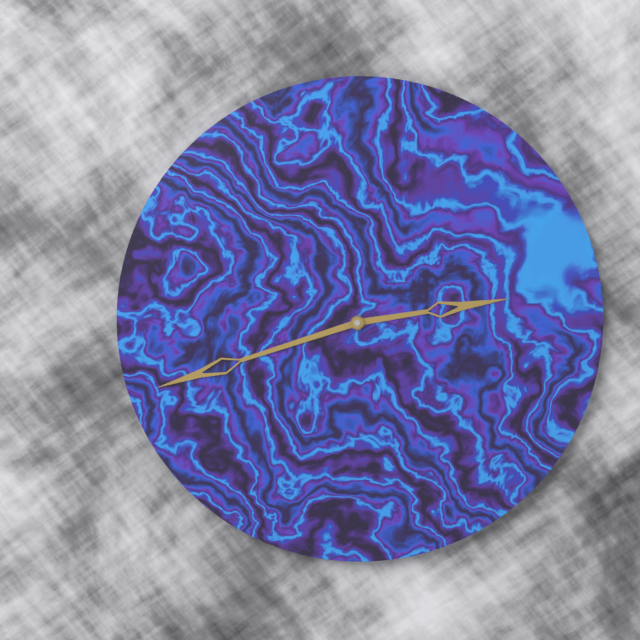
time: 2:42
